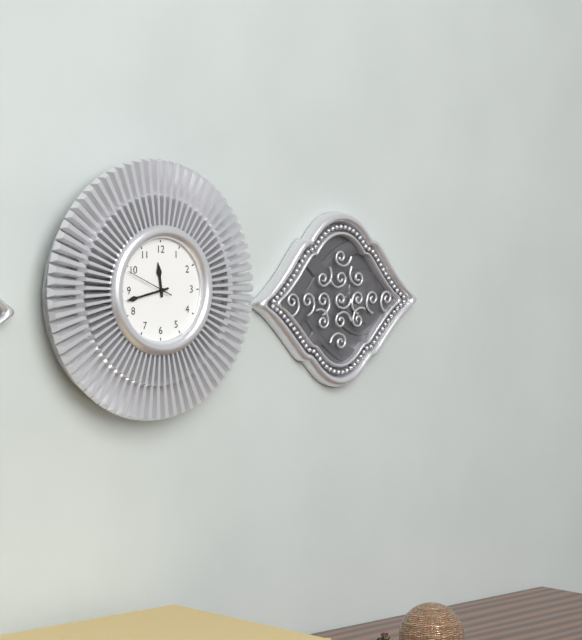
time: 11:43
